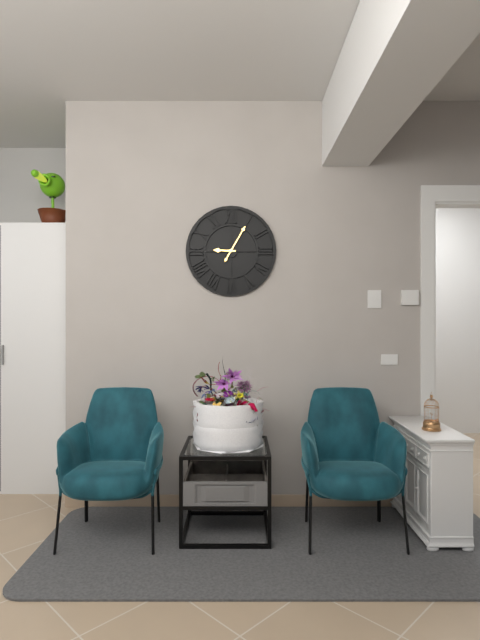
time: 9:05
